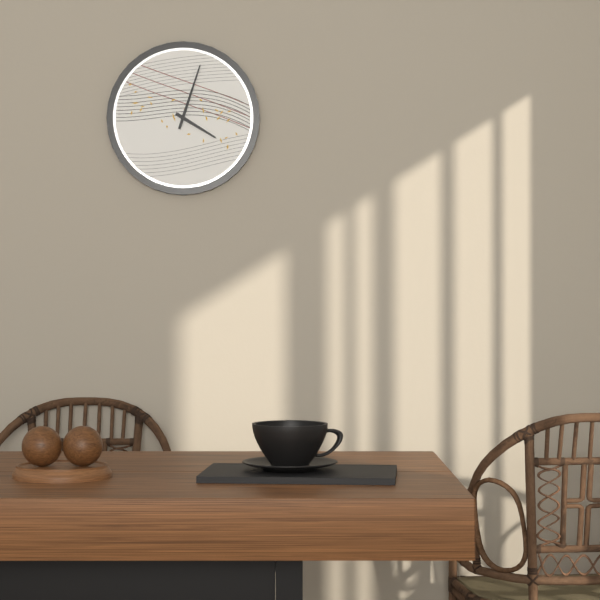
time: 4:03
